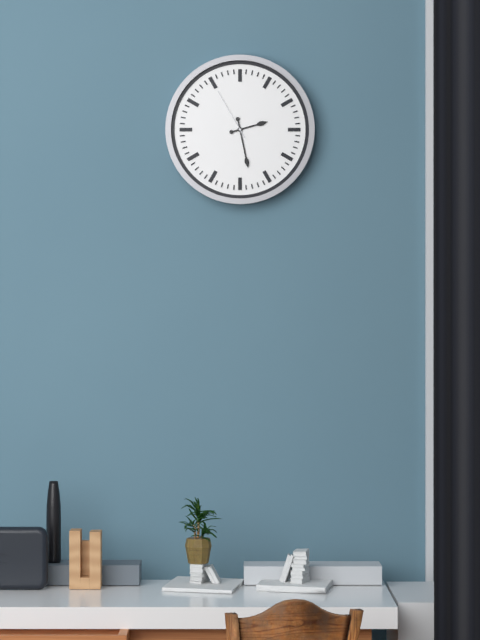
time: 2:28:55
